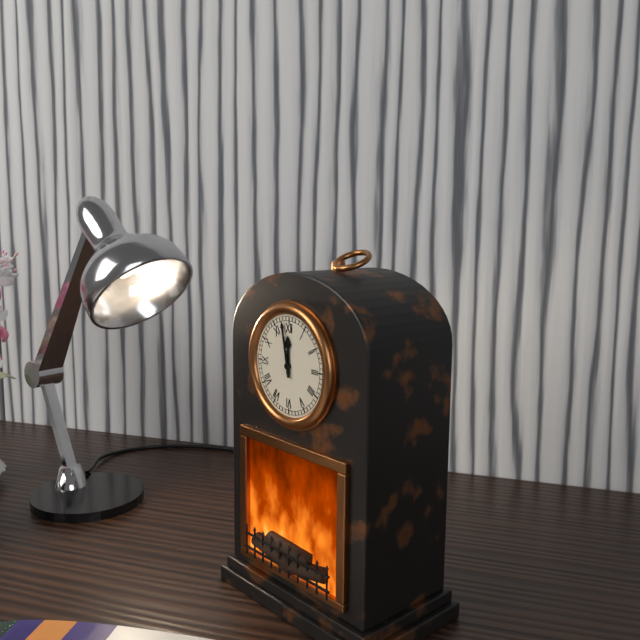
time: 11:58
